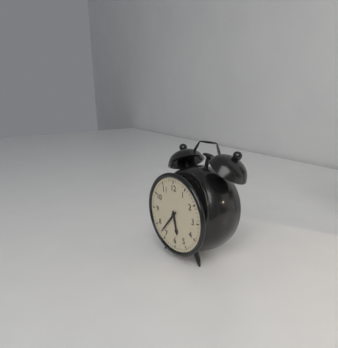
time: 5:37
